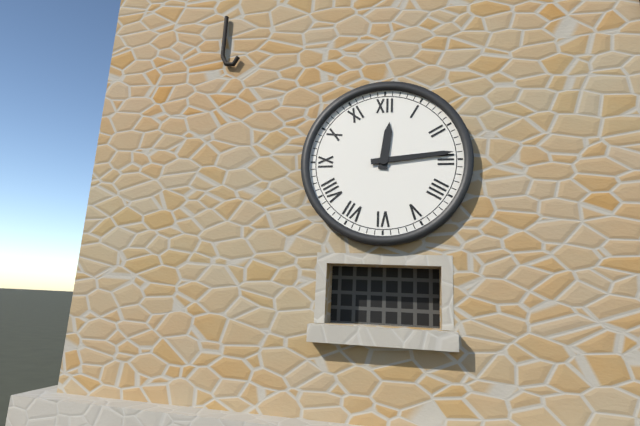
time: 12:14
